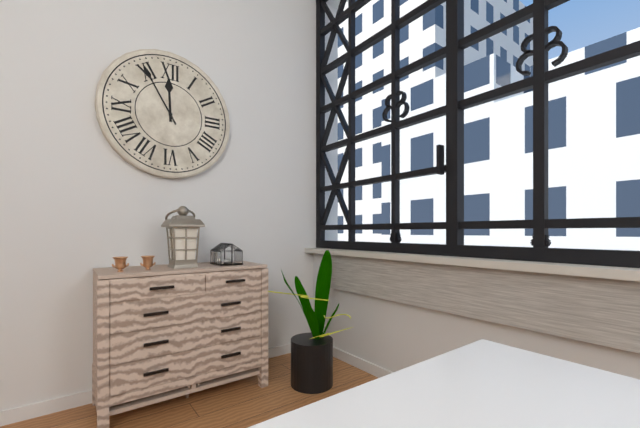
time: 11:55
